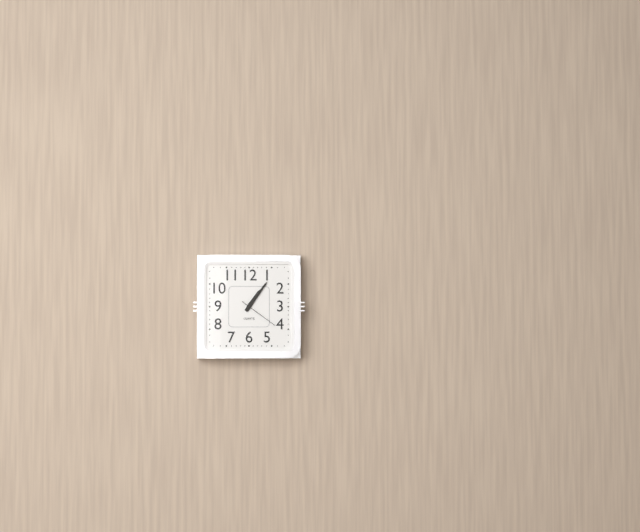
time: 1:06
